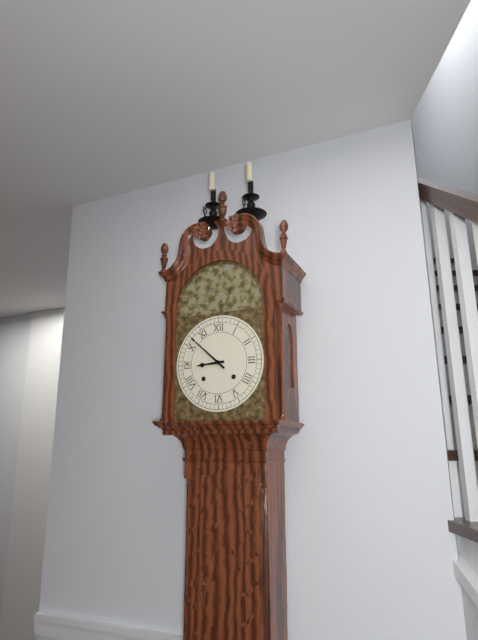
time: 8:52
